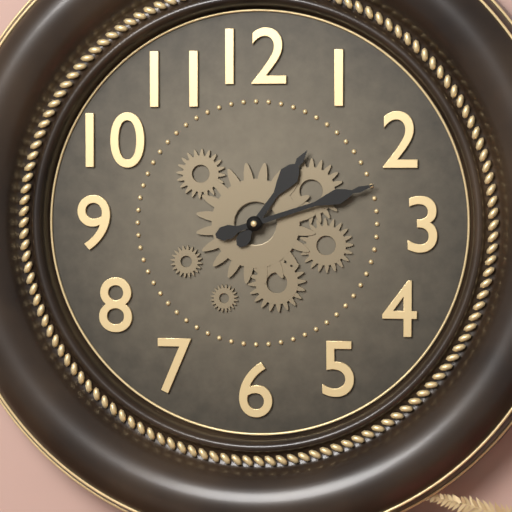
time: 1:12
